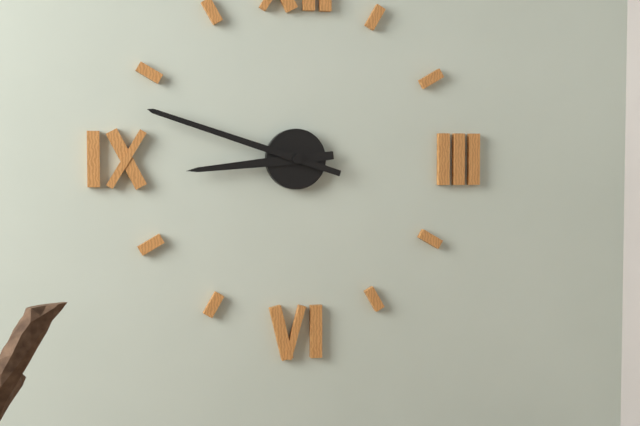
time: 8:48
